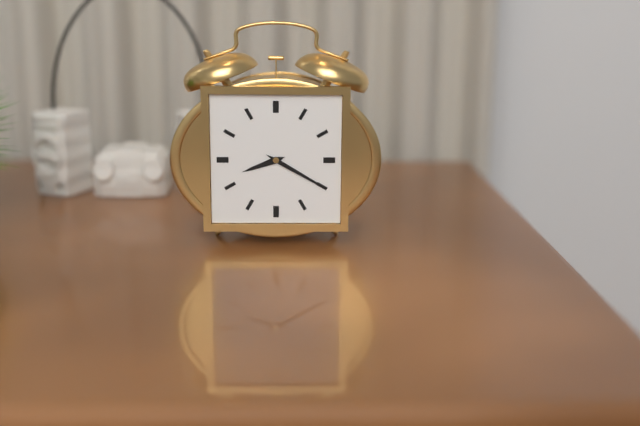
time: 8:20
